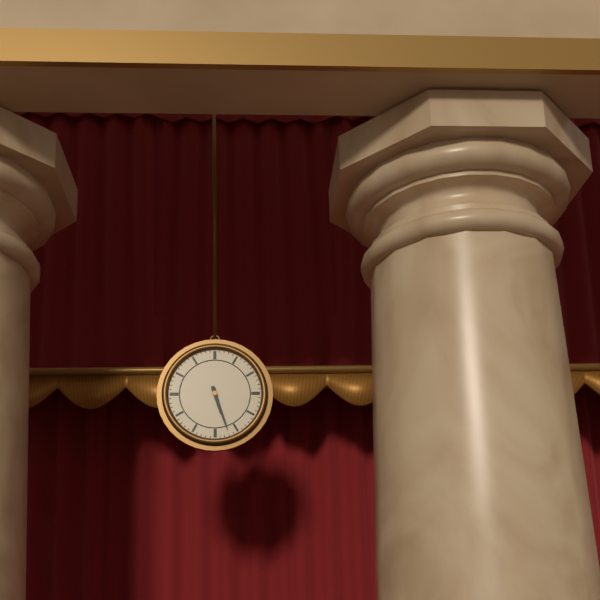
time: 5:27
